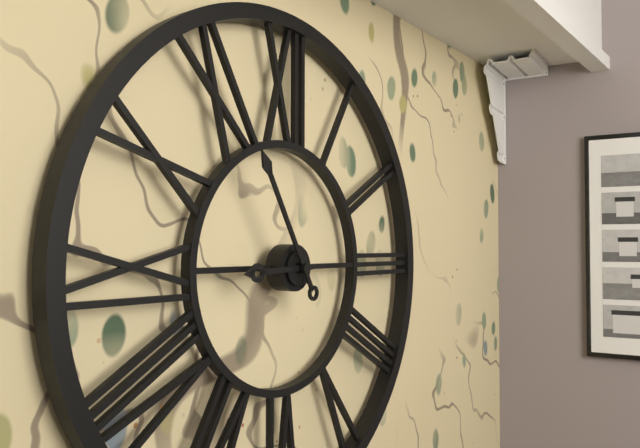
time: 8:55
